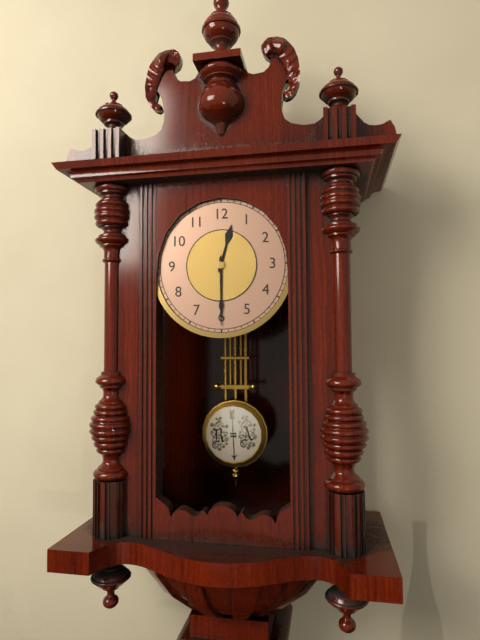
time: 12:30
